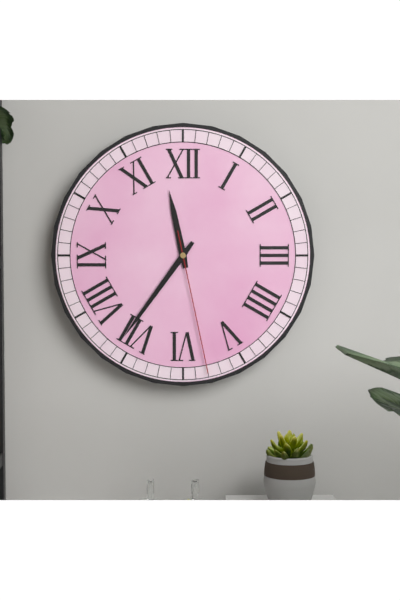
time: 11:36:28
